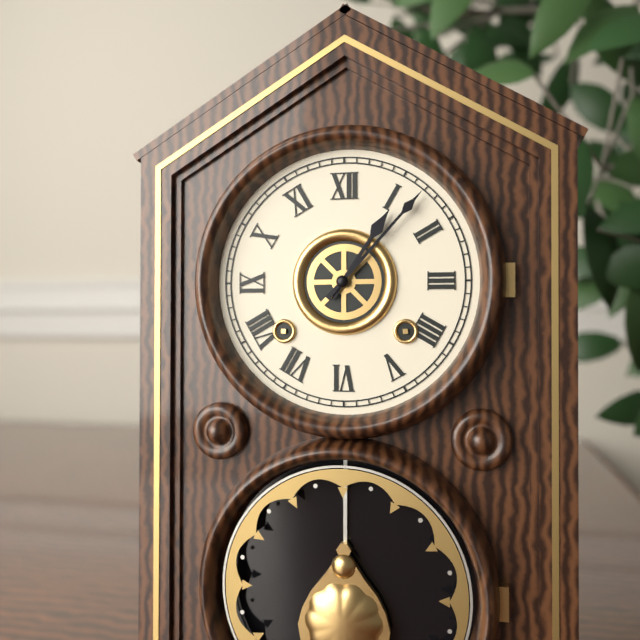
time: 1:07
